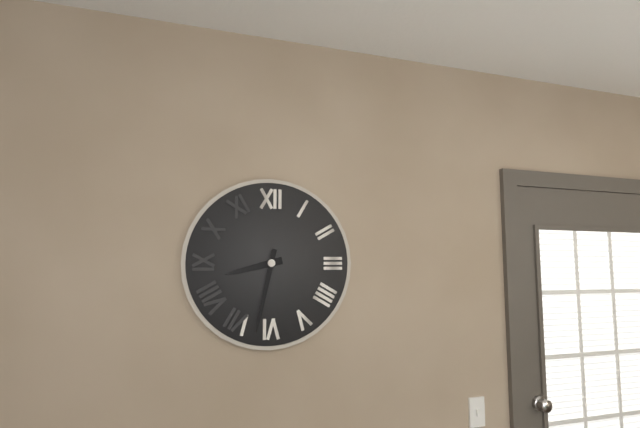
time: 8:32
